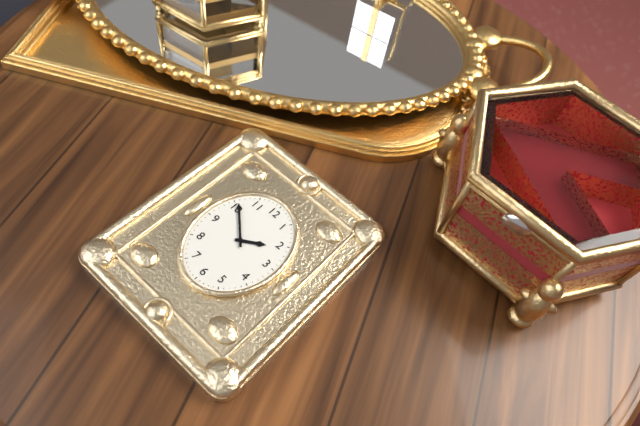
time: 1:52
